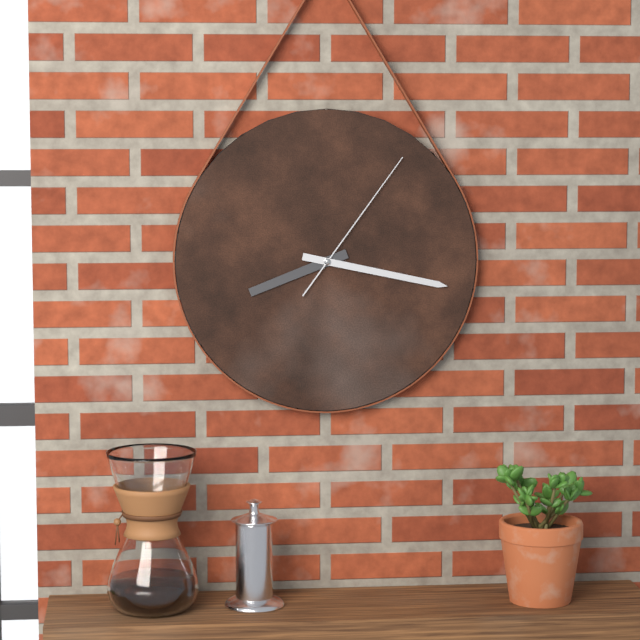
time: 8:17:06
